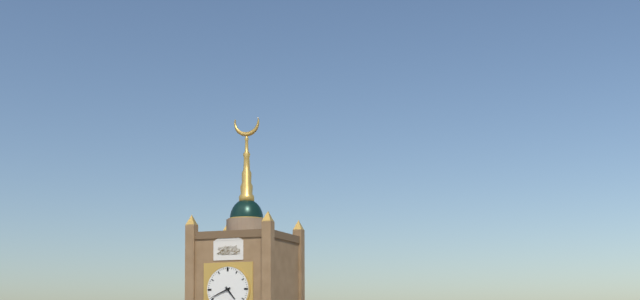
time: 4:41
